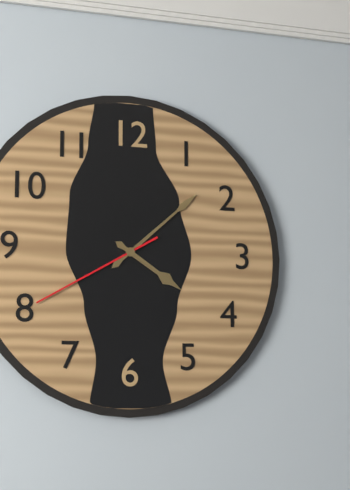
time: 4:08:40
